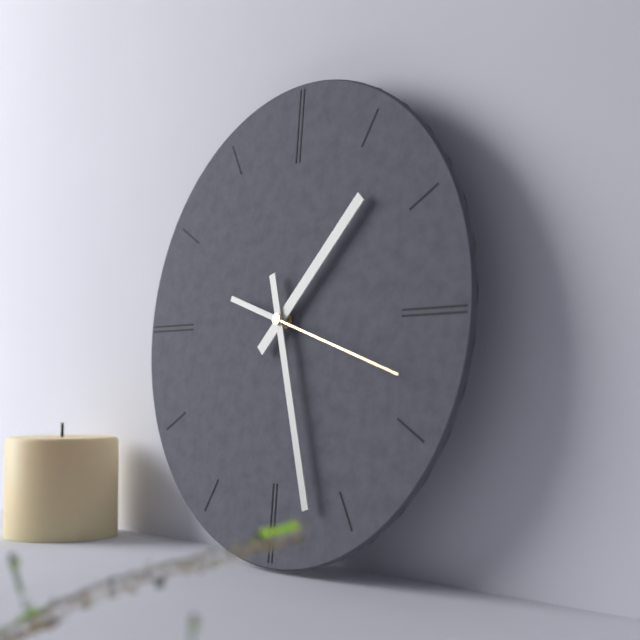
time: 1:27:18
